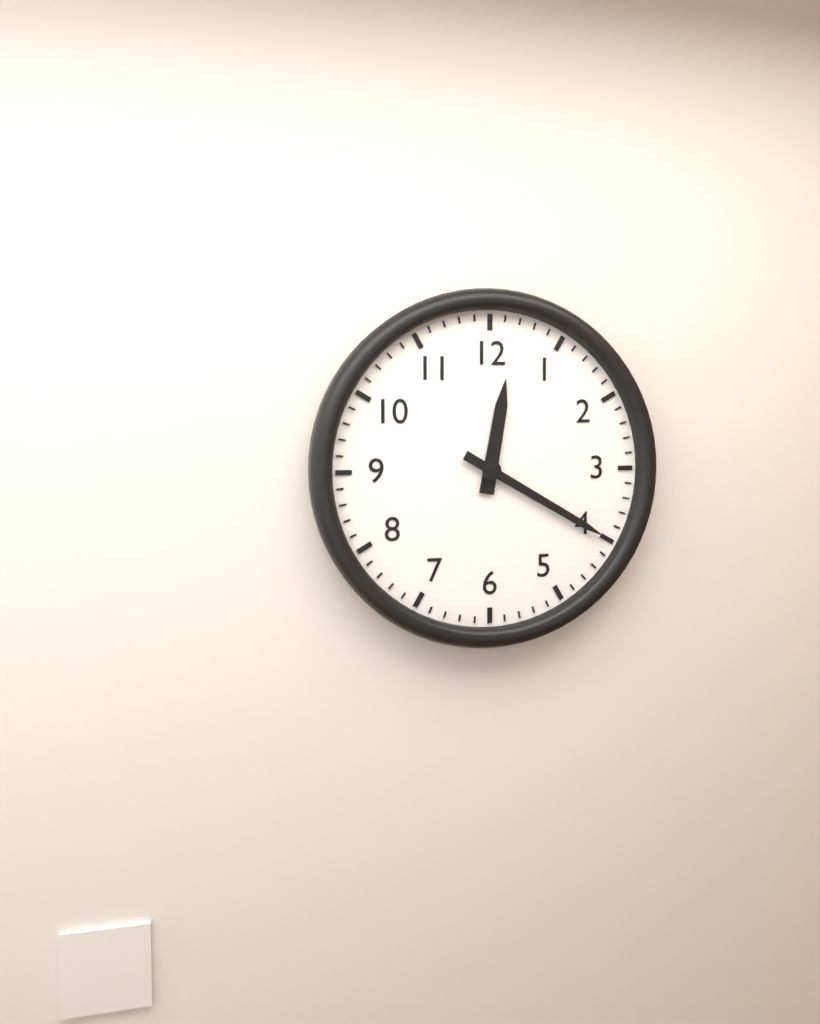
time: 12:20
